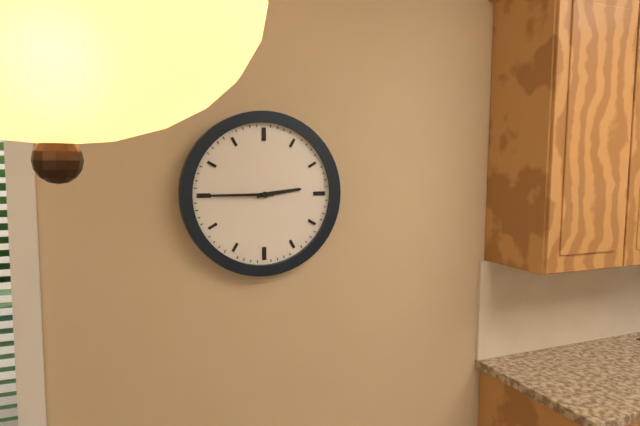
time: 2:45
